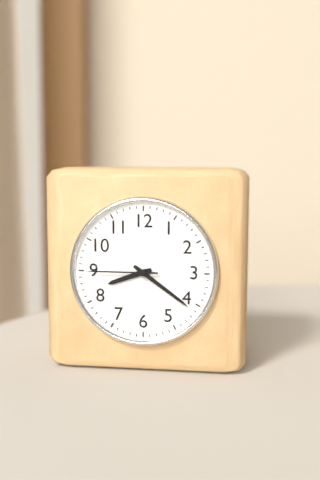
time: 8:21:45
